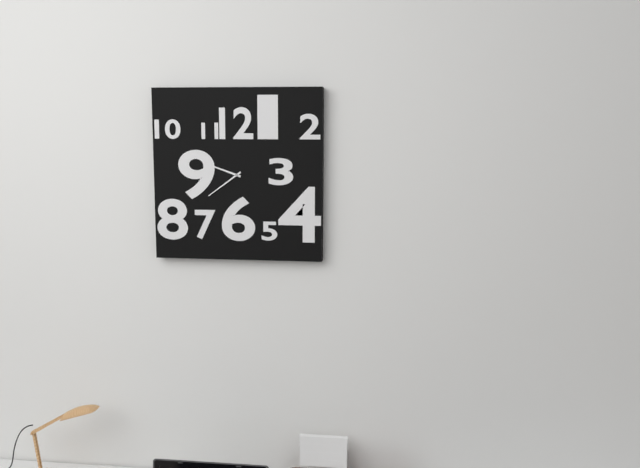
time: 9:39
